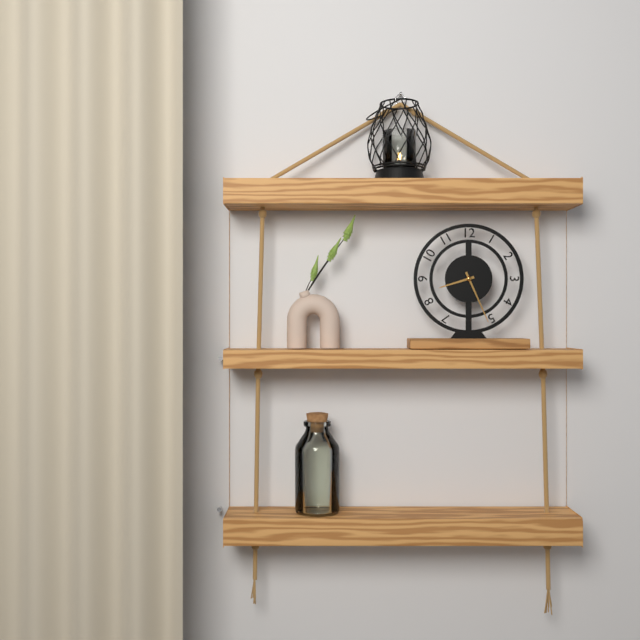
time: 8:26
